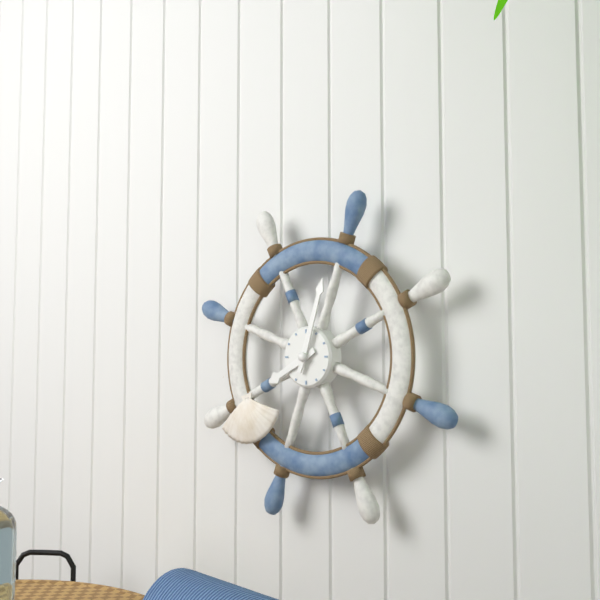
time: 8:03
